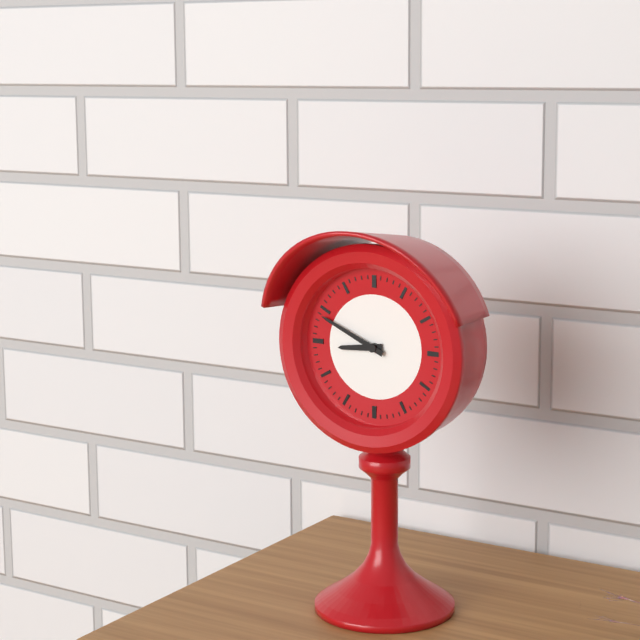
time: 8:49
